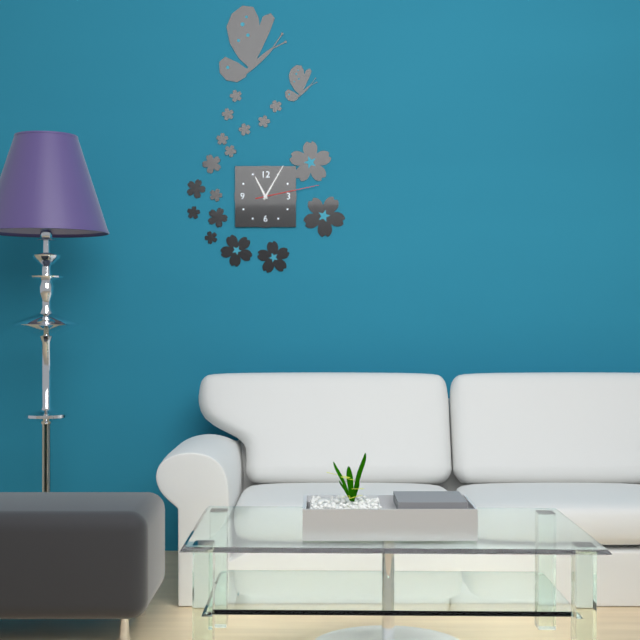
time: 11:05:13
